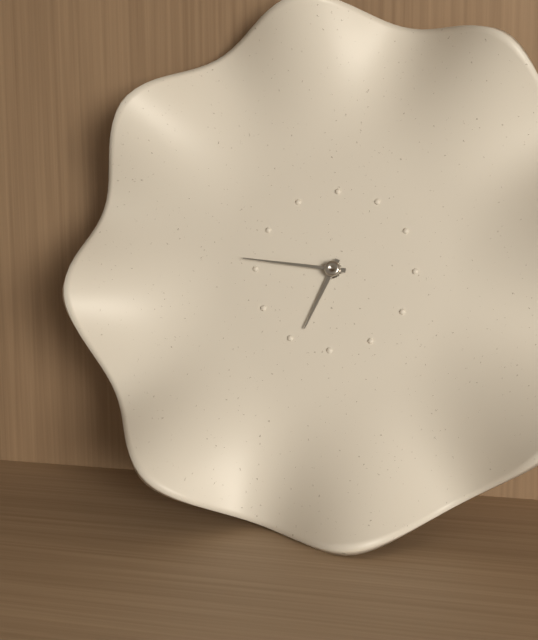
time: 6:46
